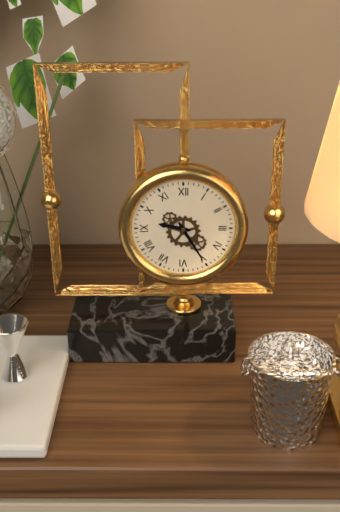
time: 9:25
